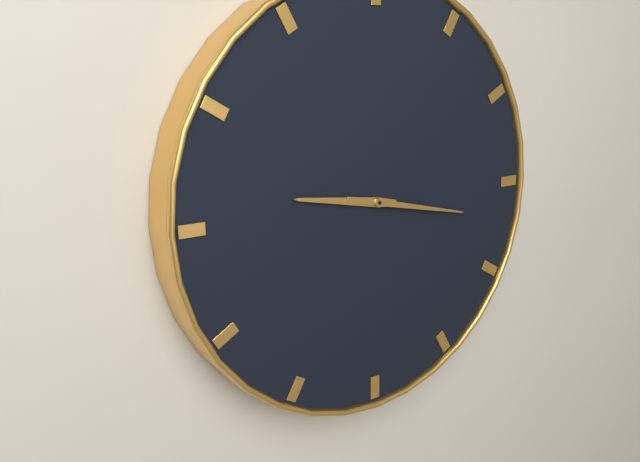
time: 9:17
